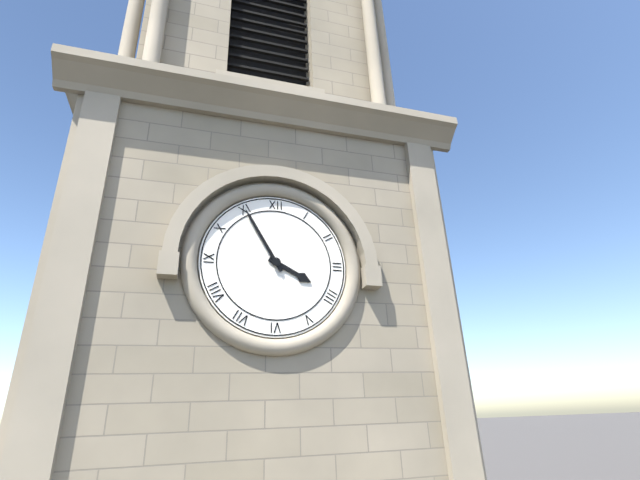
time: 3:55
